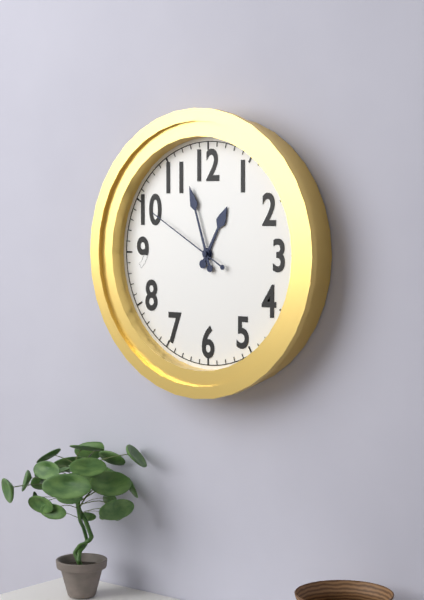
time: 12:57:50
